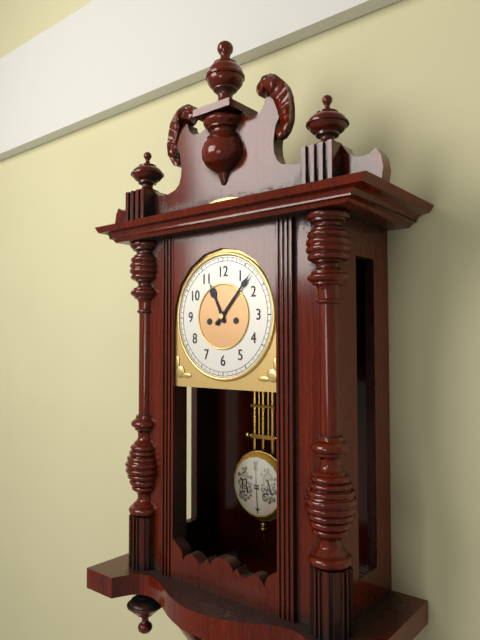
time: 11:07
